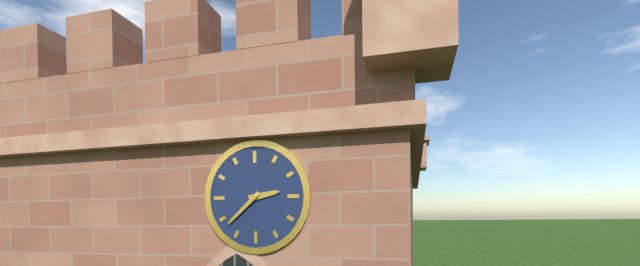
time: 2:38
